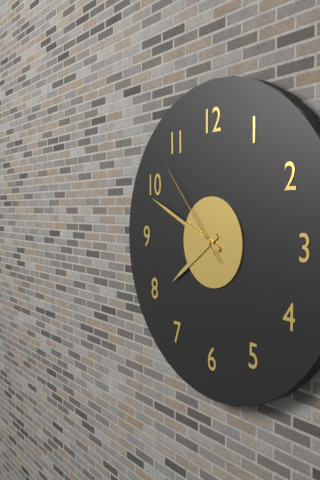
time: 7:49:53
